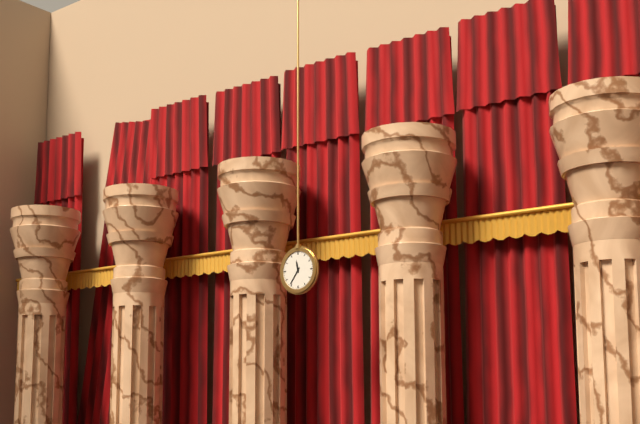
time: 11:36
